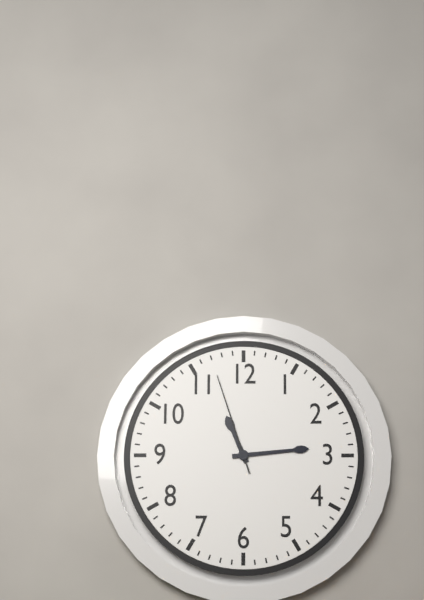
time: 11:14:57
